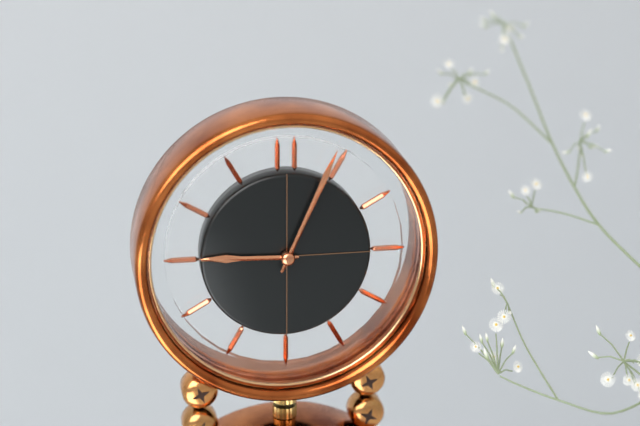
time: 9:04
